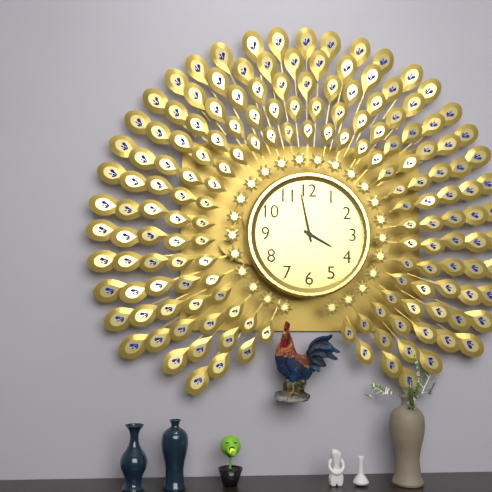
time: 3:58
